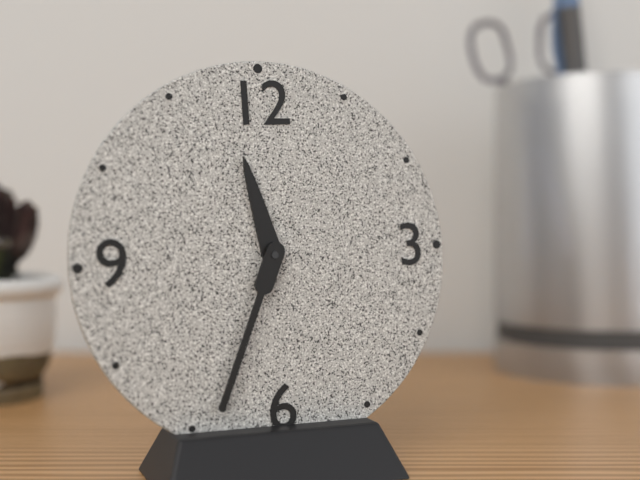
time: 11:34
